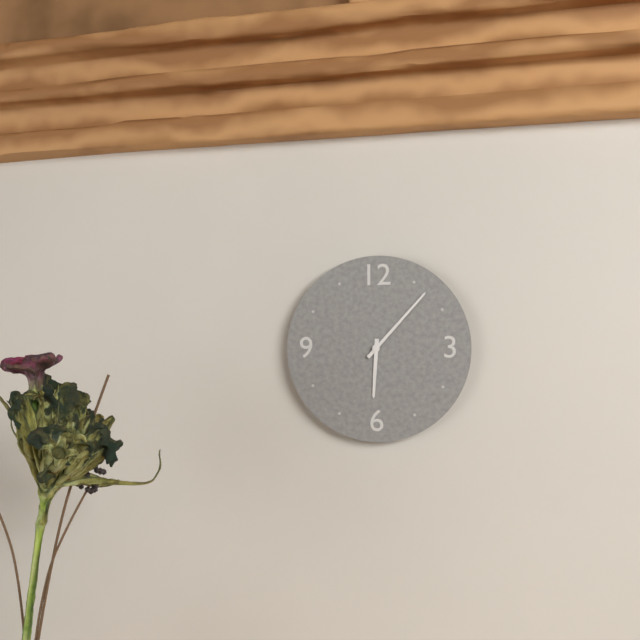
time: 6:07
